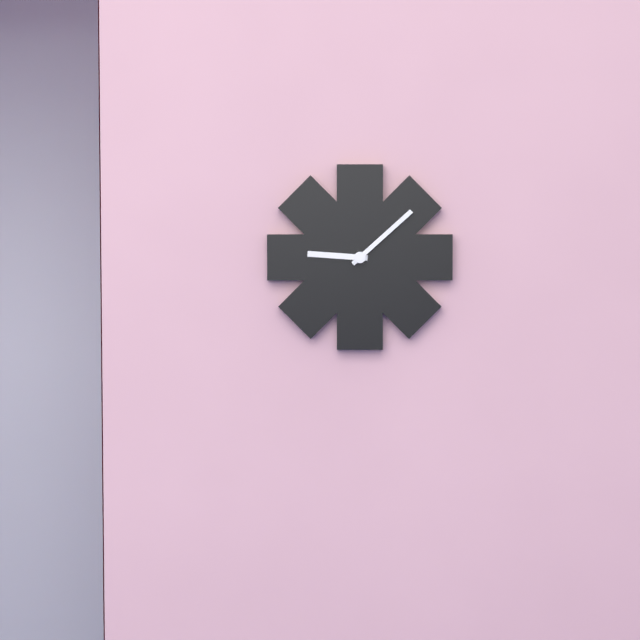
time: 9:08
